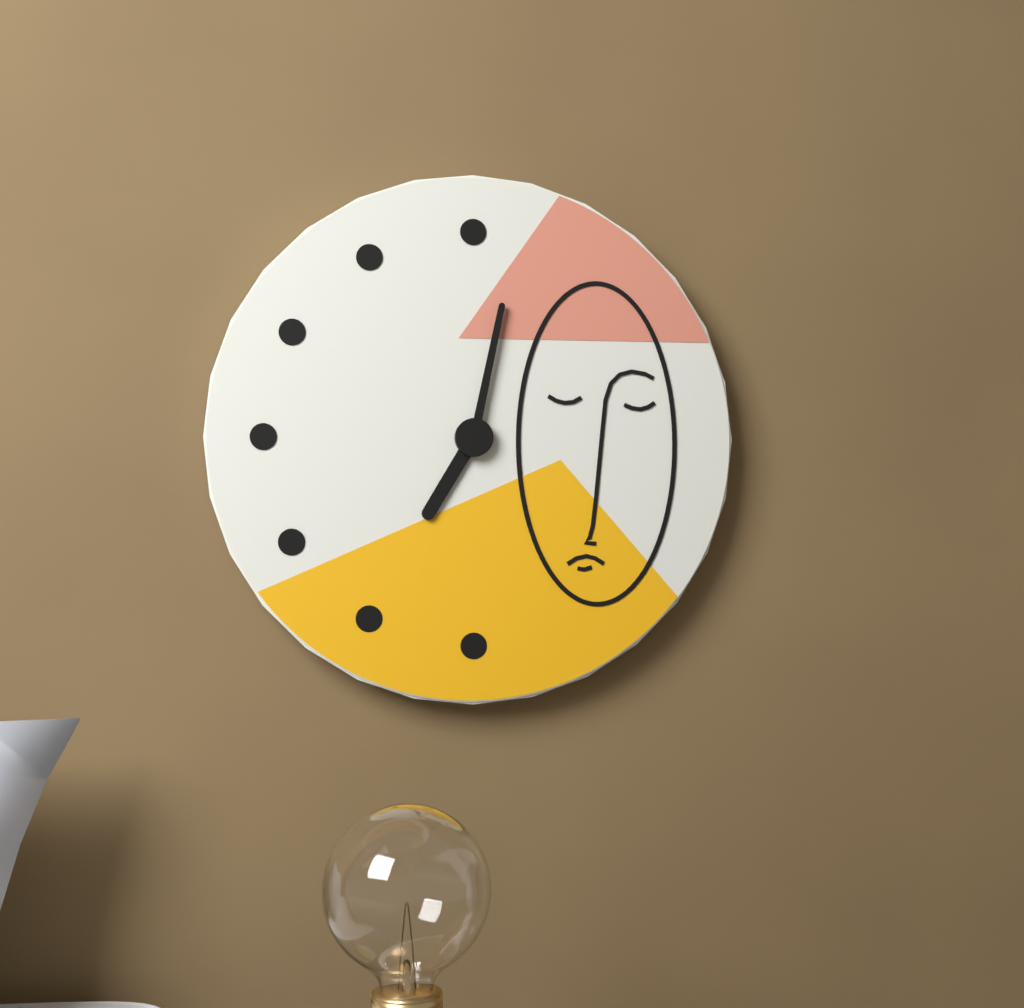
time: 7:02
